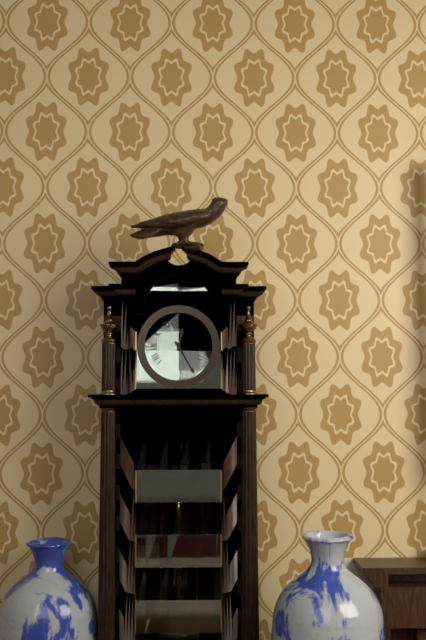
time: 12:25
